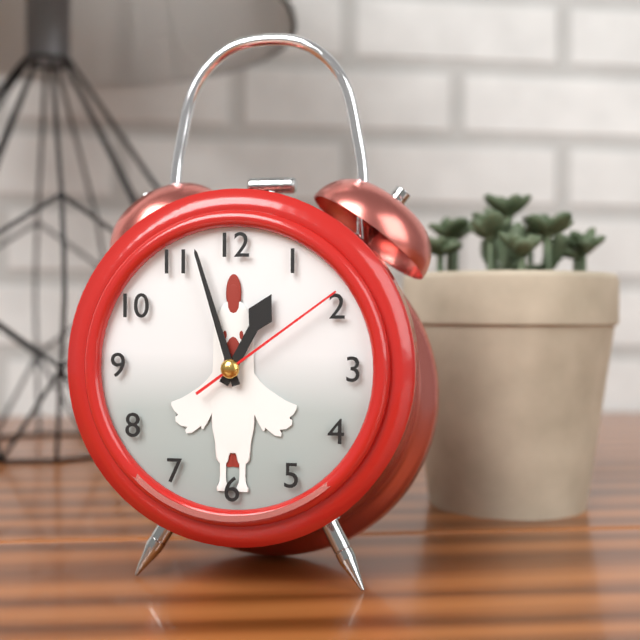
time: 12:57:09
